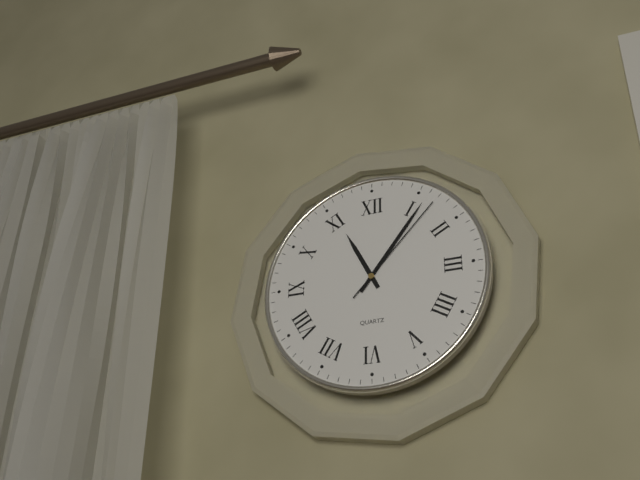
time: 11:06:07
